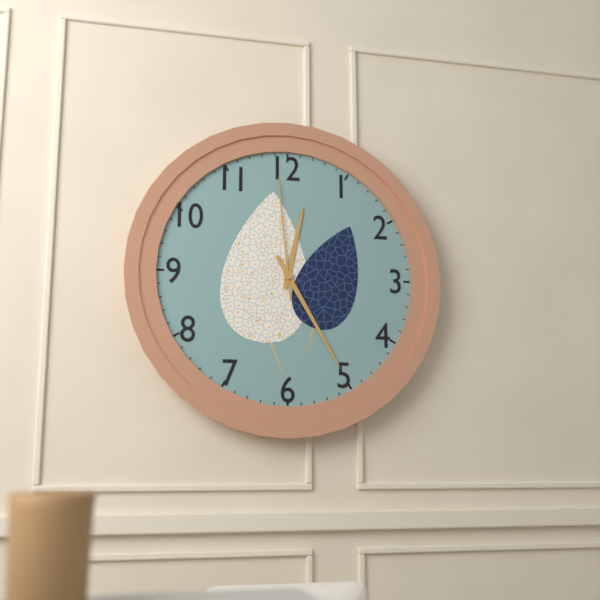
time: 12:25:59
